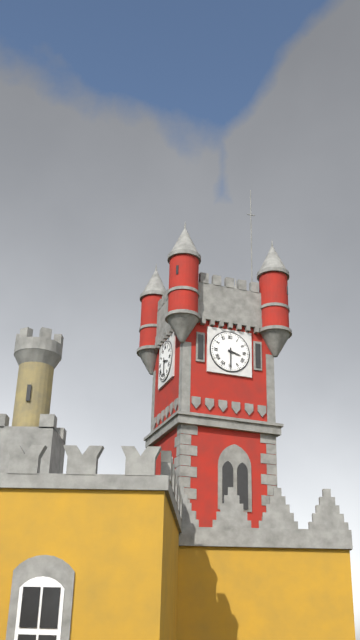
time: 3:30
